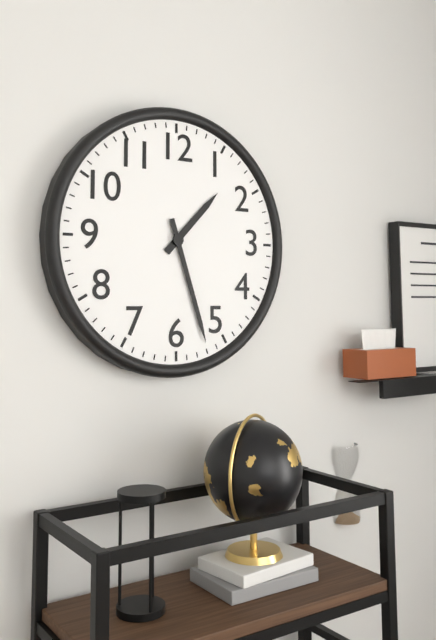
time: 1:27
